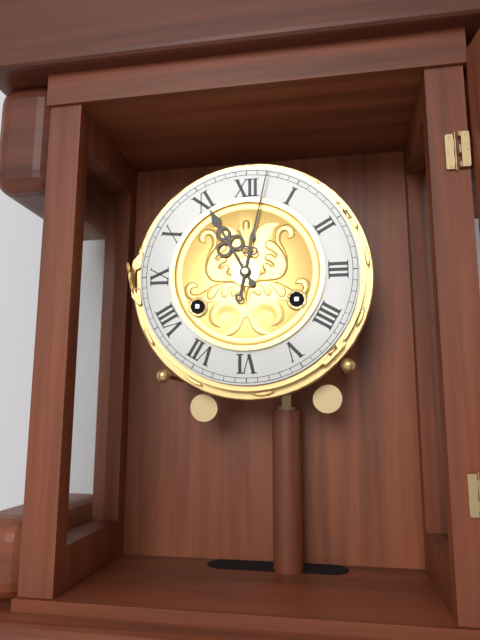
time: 11:02
